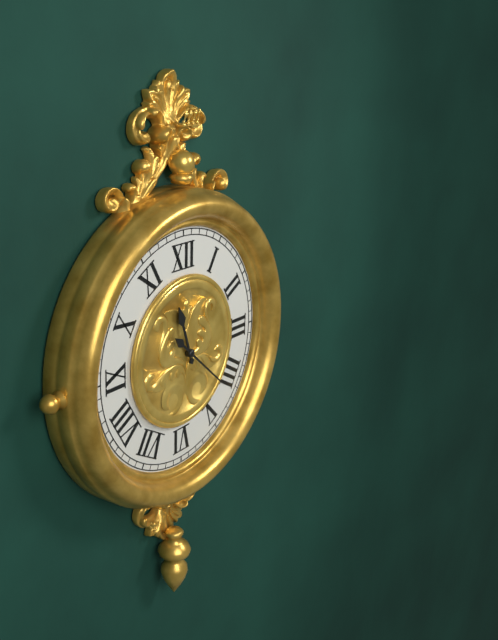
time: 11:22
